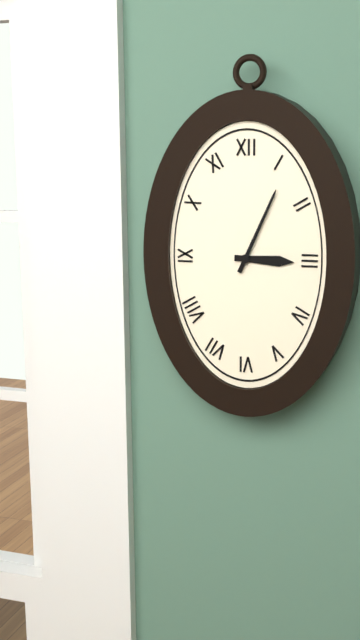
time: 3:04
